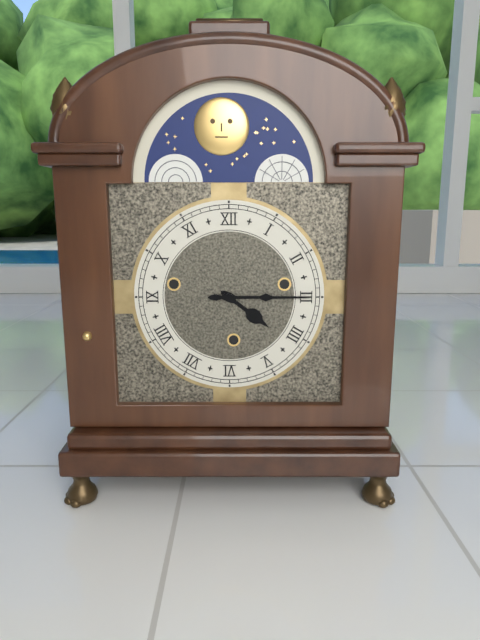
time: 4:15
